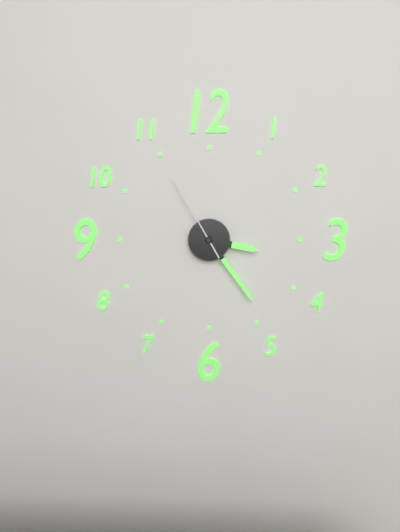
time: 3:24:55
